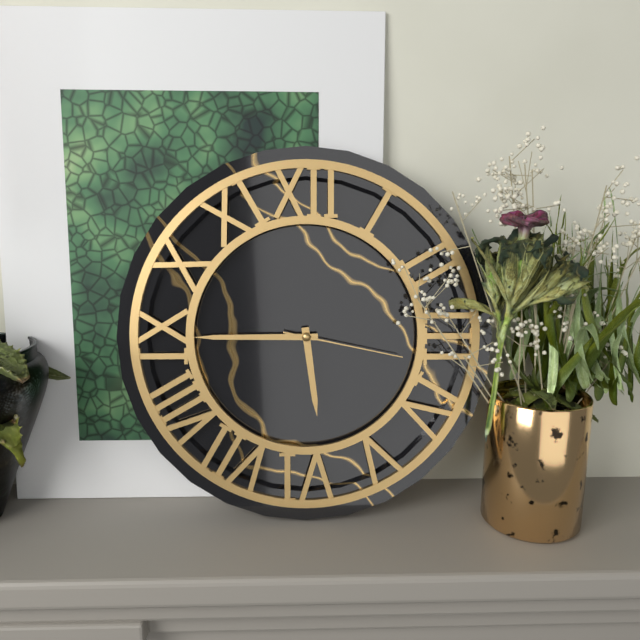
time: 5:45:17
